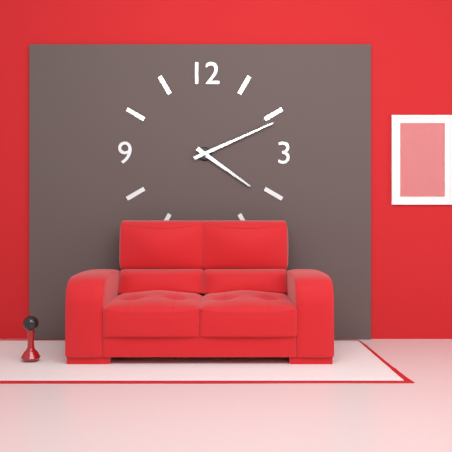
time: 4:11
